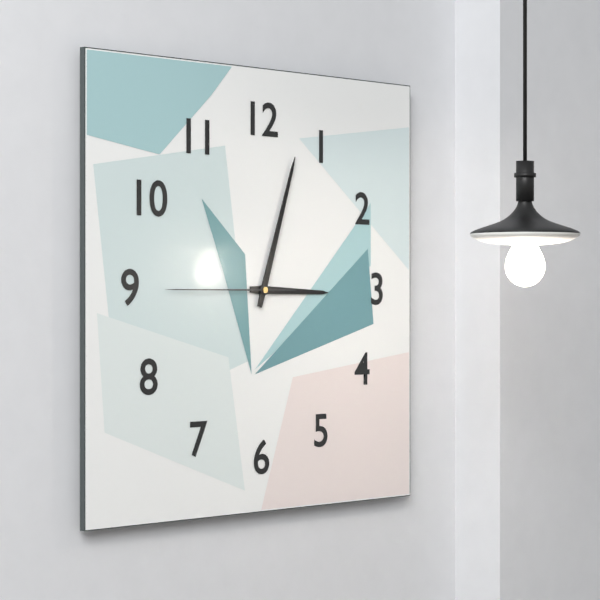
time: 3:03:45
